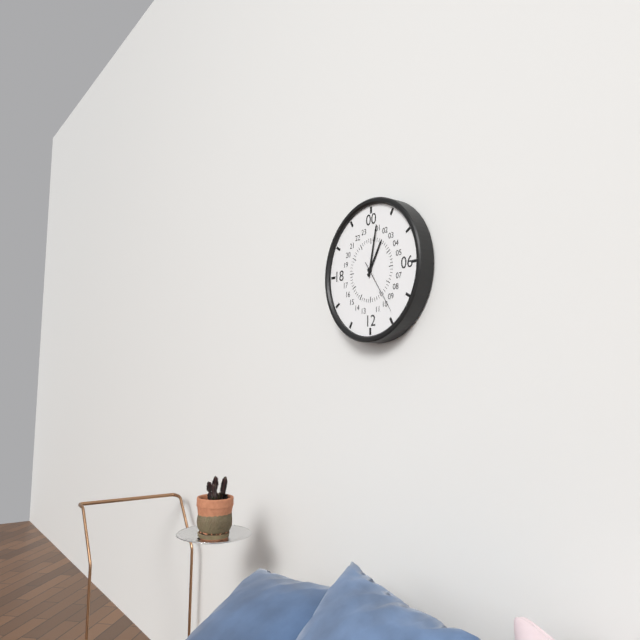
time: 1:02:24
